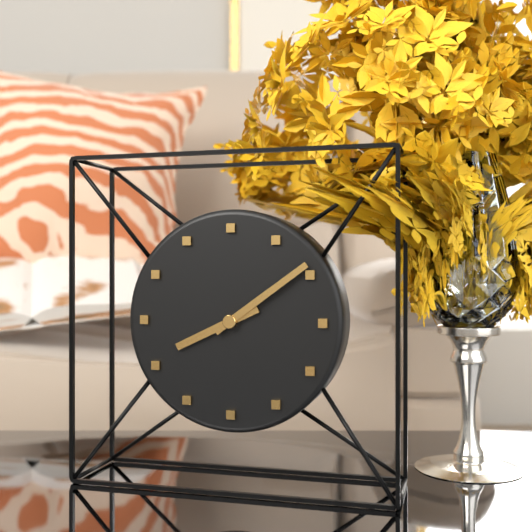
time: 8:09
